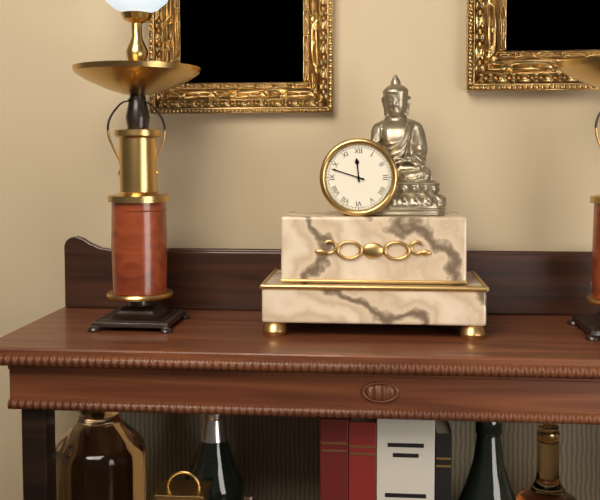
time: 11:48
